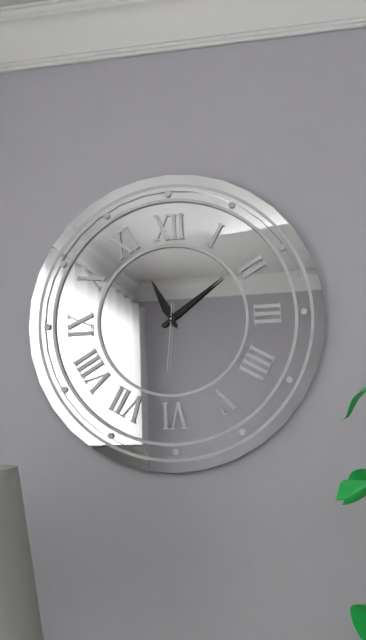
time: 11:09:31
